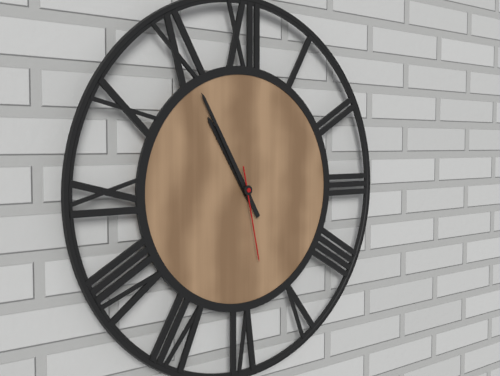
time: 10:55:28
